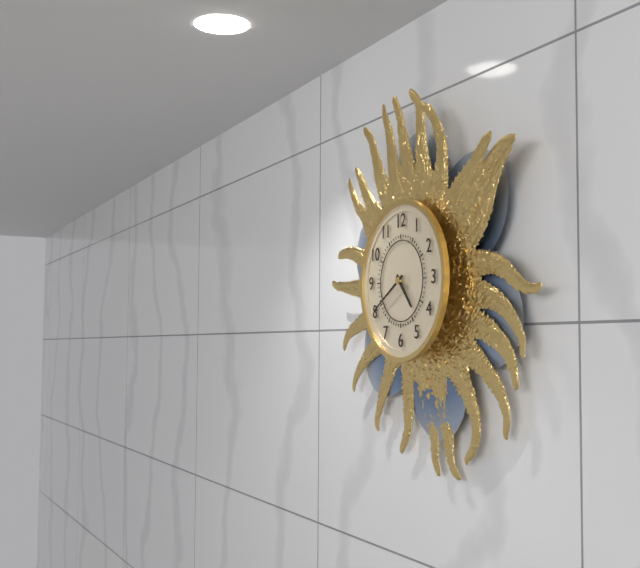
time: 4:40
